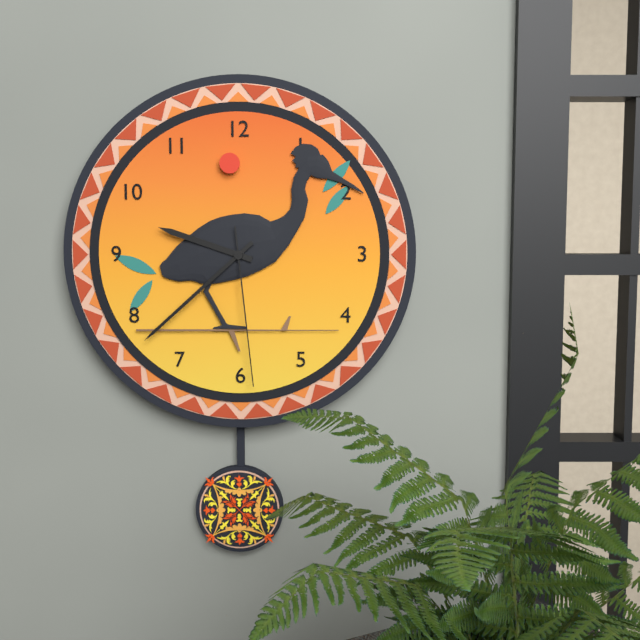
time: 9:38:29
